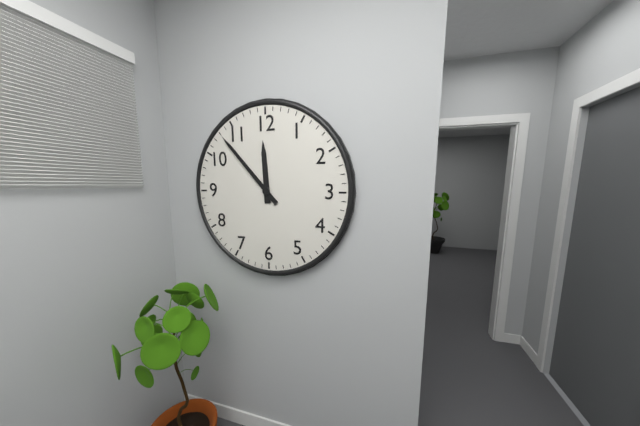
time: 11:53
